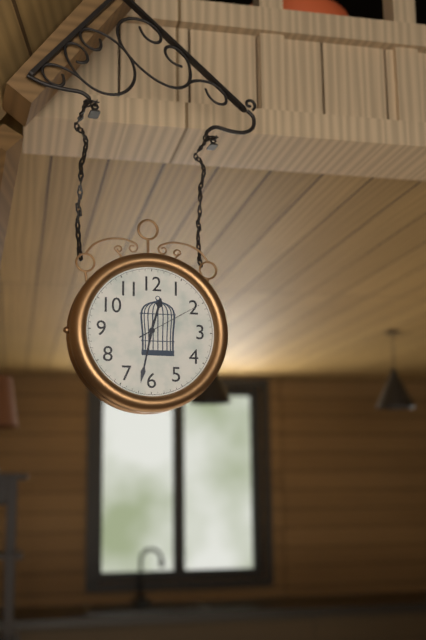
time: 12:32:10
